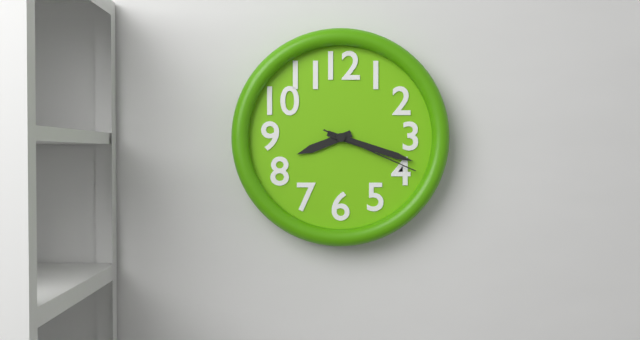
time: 8:18:19
